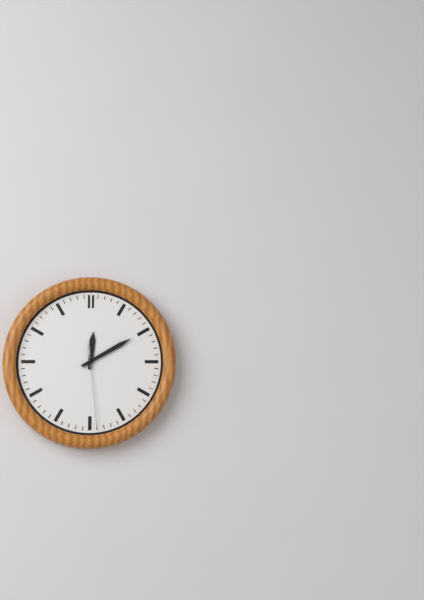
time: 12:10:29
